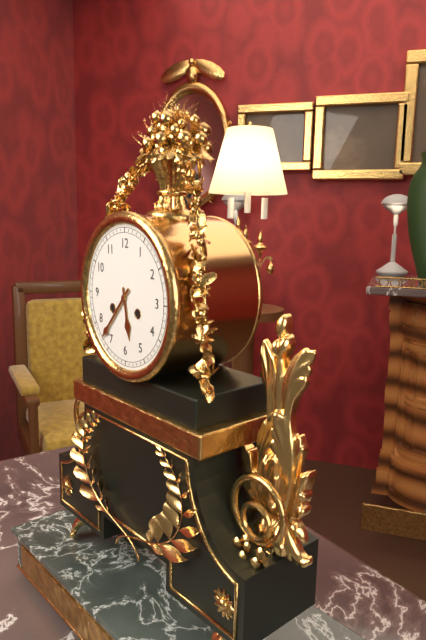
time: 5:37
